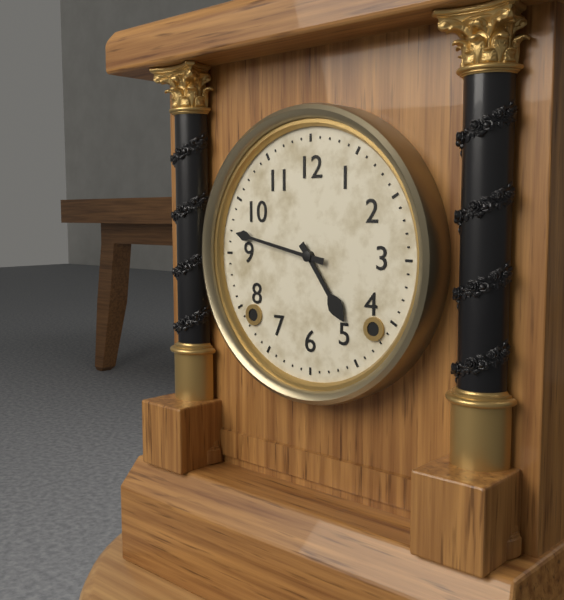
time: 4:47
